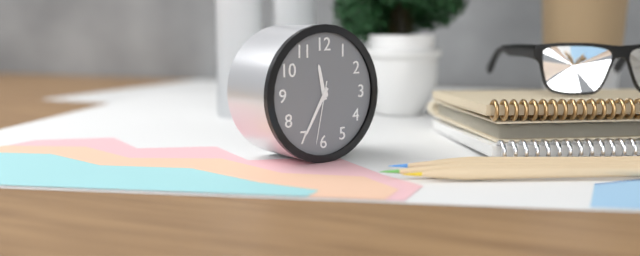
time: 11:35:32
